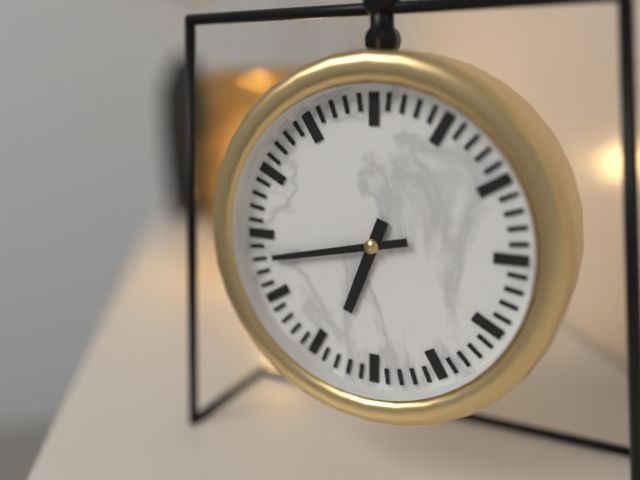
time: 6:43
